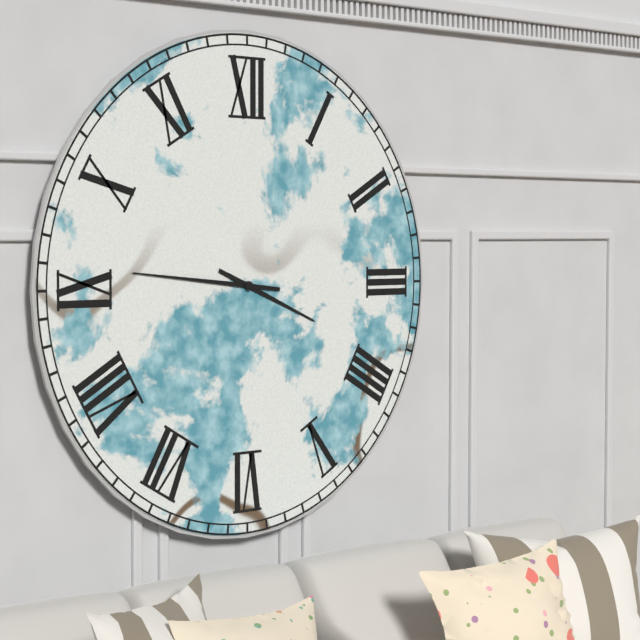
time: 3:46
